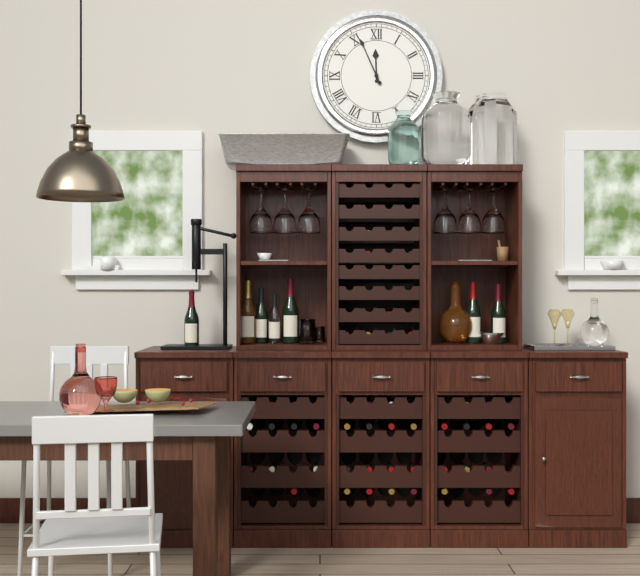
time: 11:56
